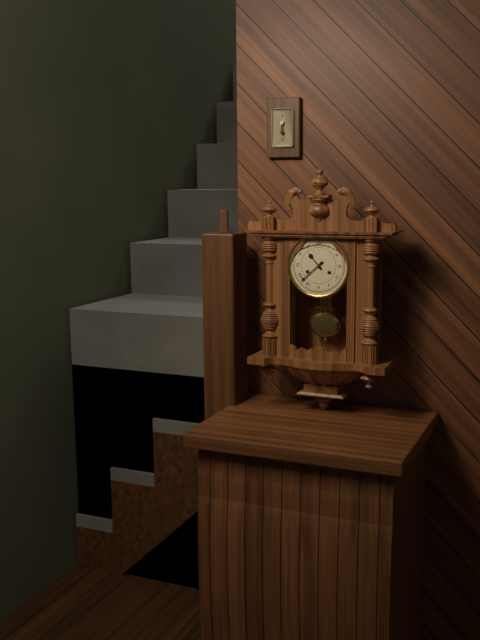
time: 10:38
